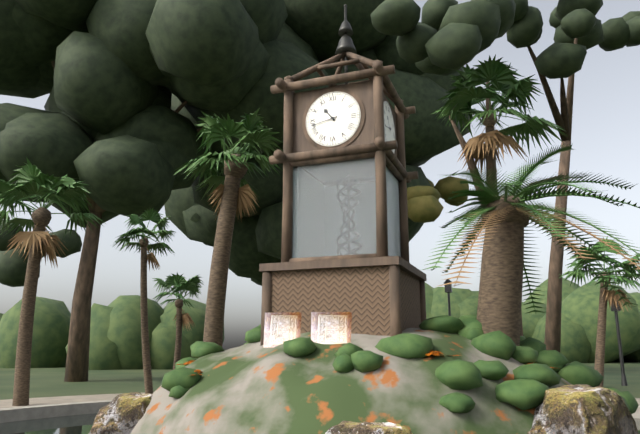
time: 10:43
